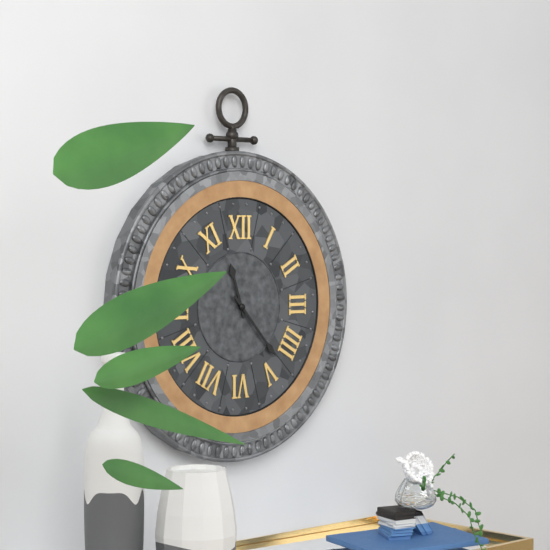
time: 11:23
